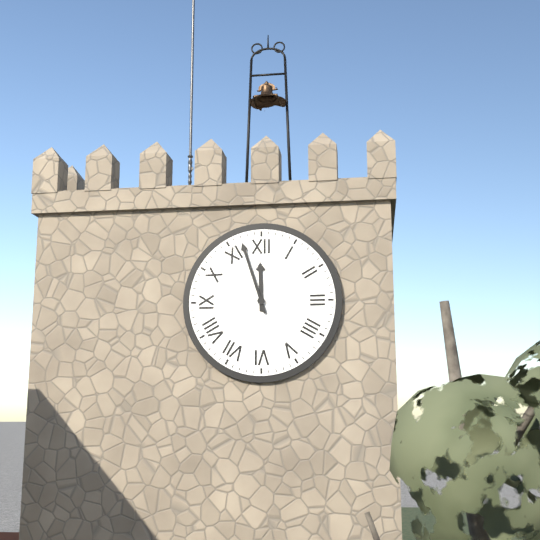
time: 11:57
